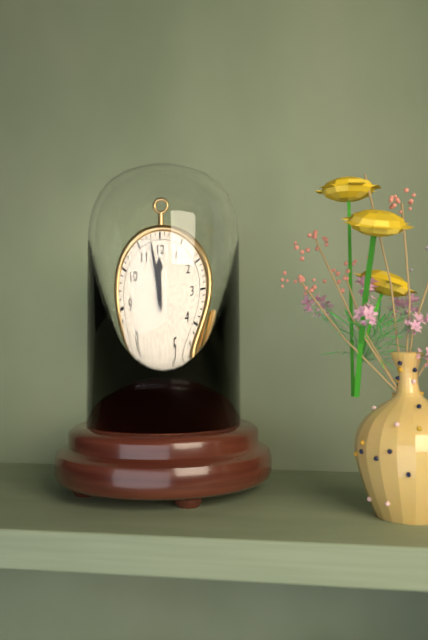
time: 11:58
